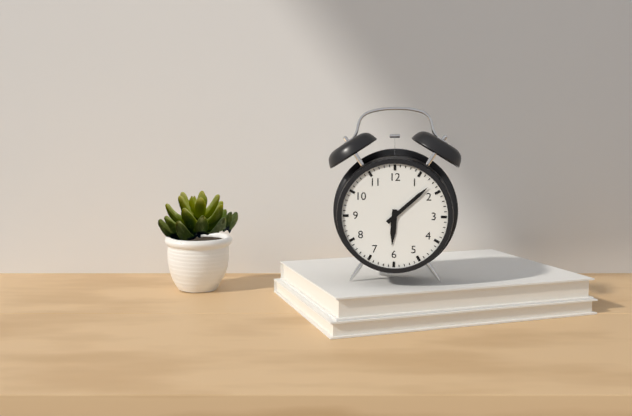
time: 6:08
